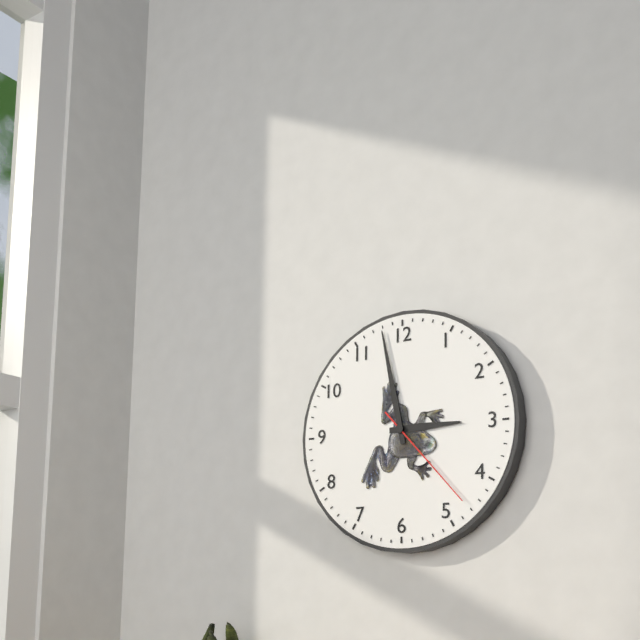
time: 2:58:23
